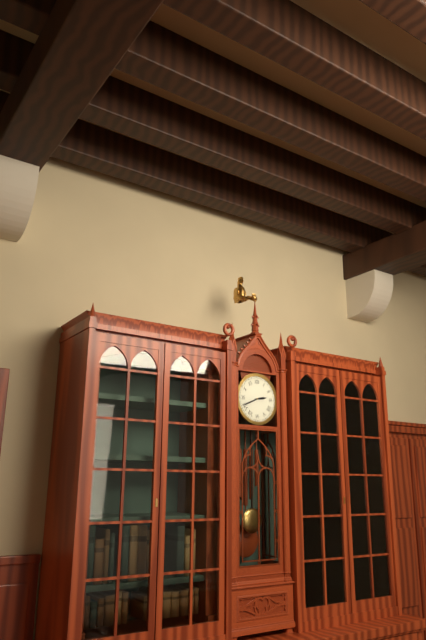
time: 2:41
